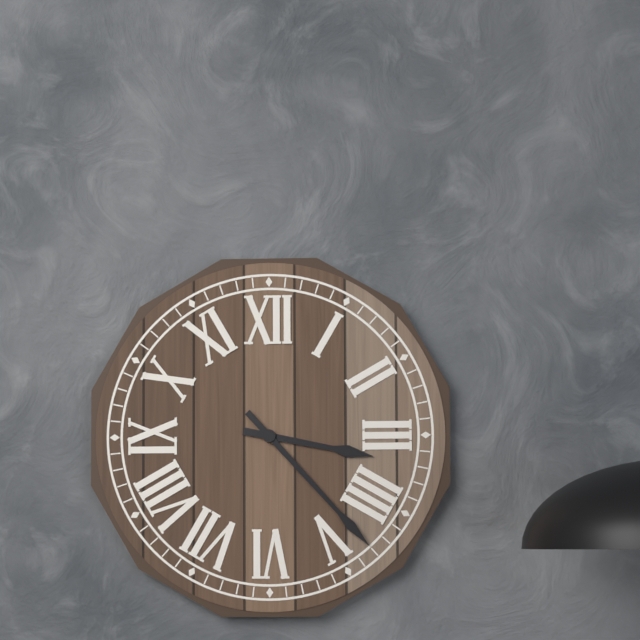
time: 3:23
